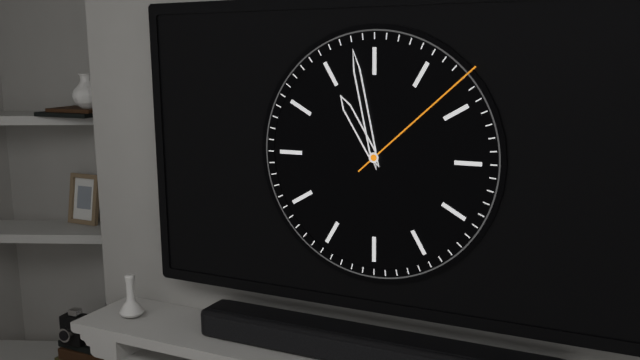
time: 10:58:08
